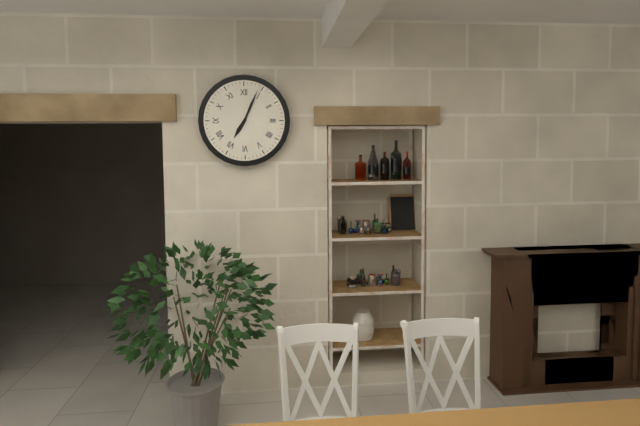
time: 7:04
